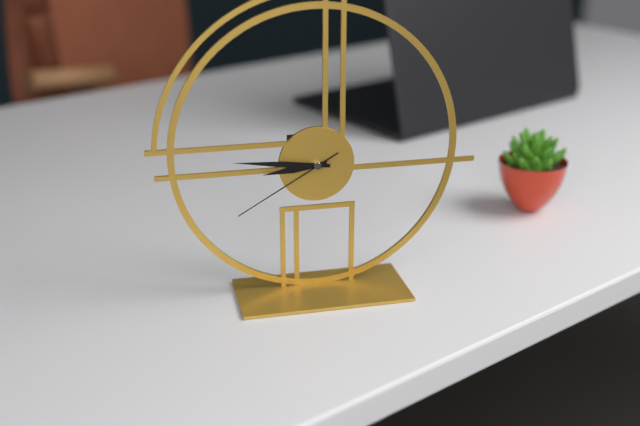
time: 8:46:40
